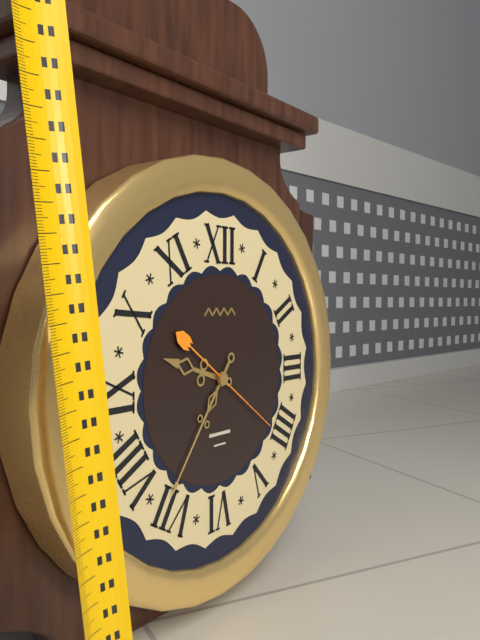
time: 9:36:21
